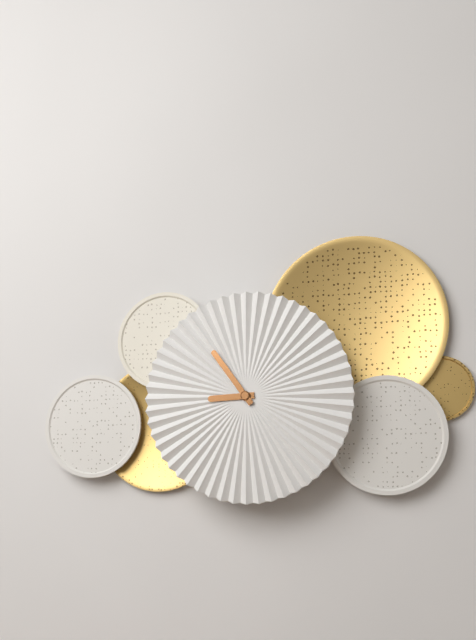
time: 8:54
